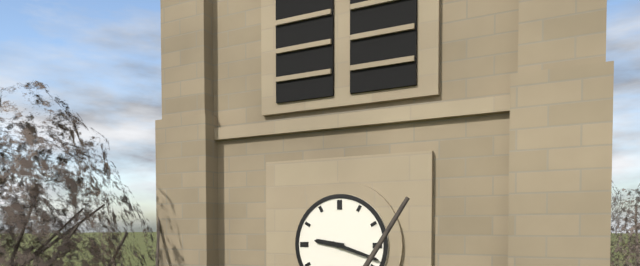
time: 9:18
